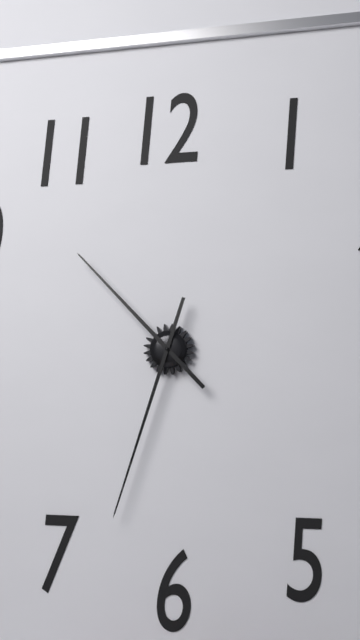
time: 10:33
